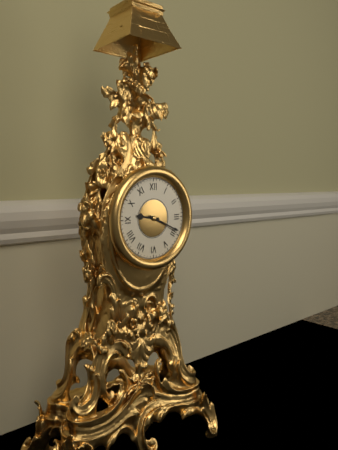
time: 9:19
